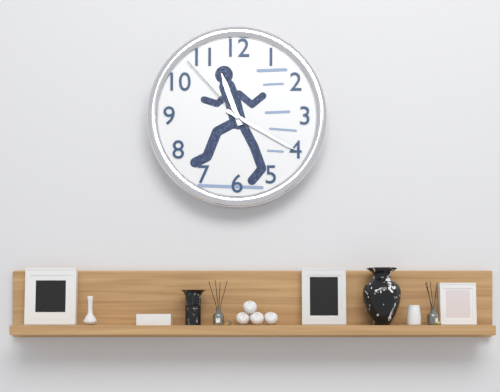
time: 11:20:53
